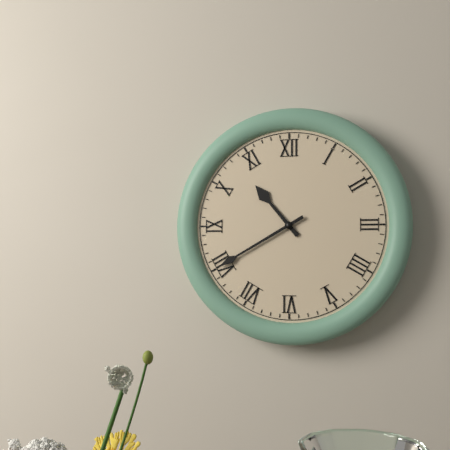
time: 10:40
